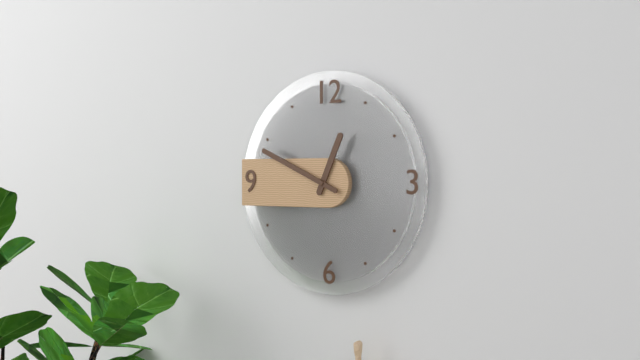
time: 12:49
